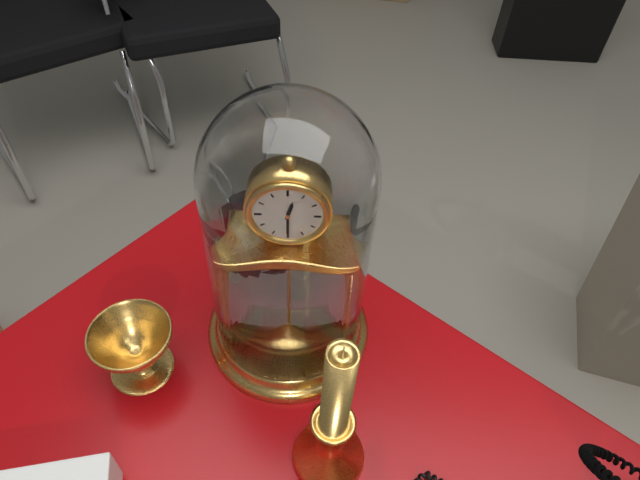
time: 12:30
